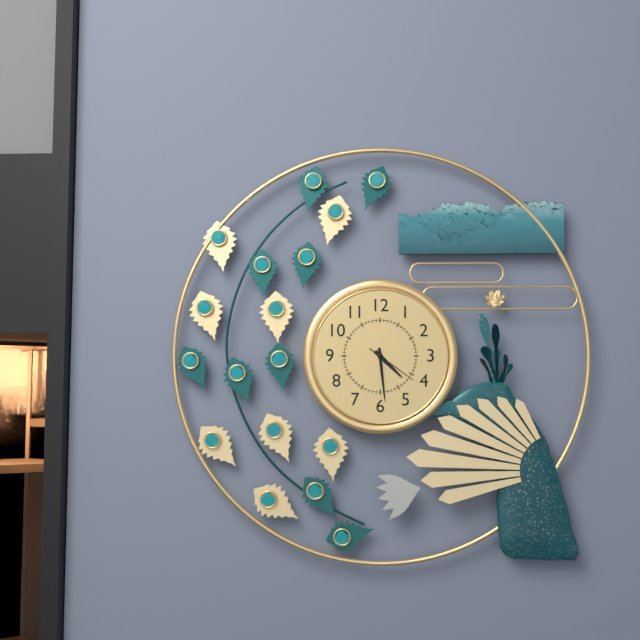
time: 4:29:21
